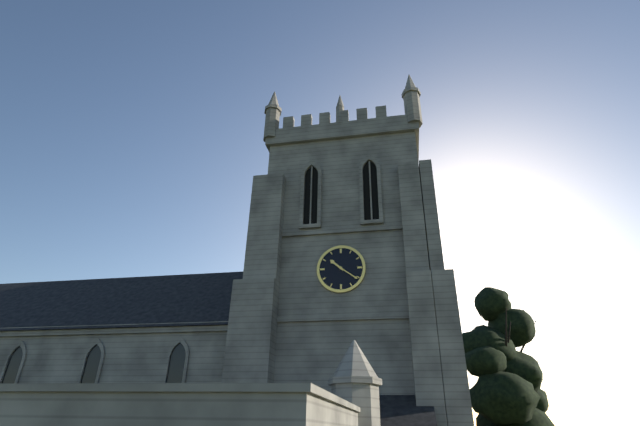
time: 10:21
